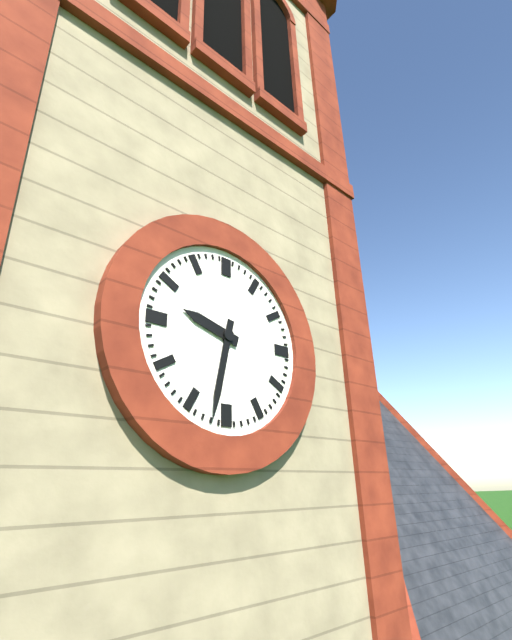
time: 9:32
